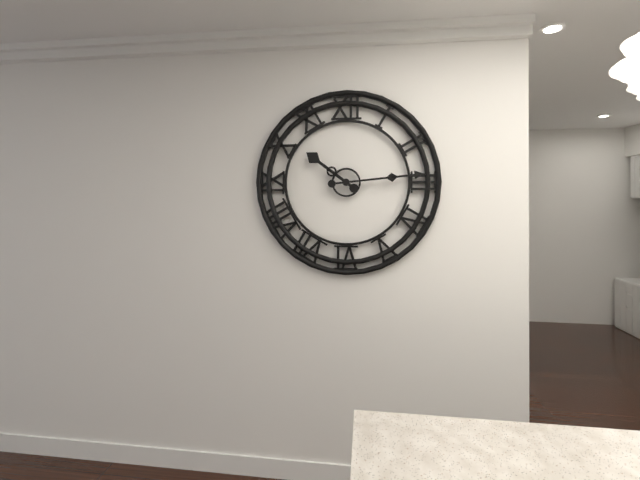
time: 10:14
